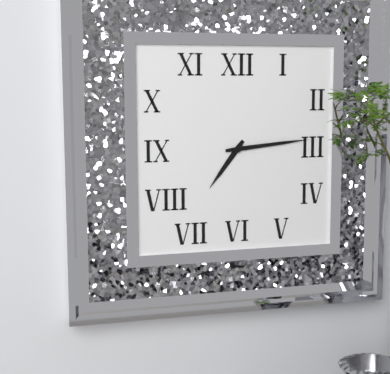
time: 7:14
